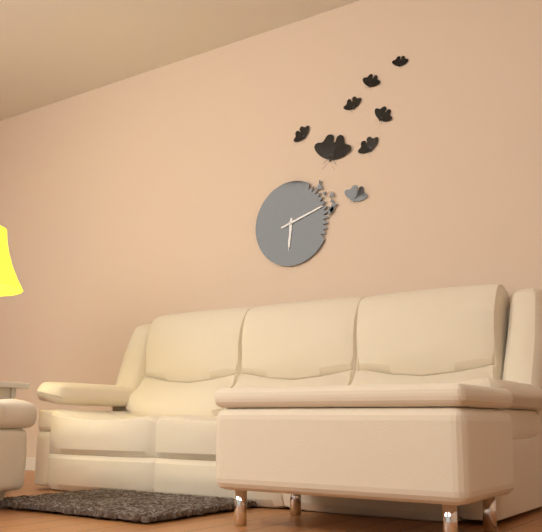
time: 6:12
